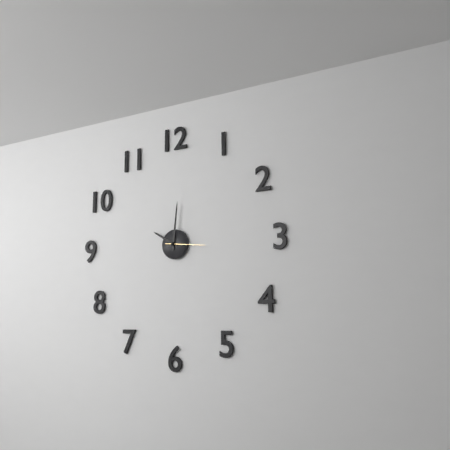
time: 10:01
